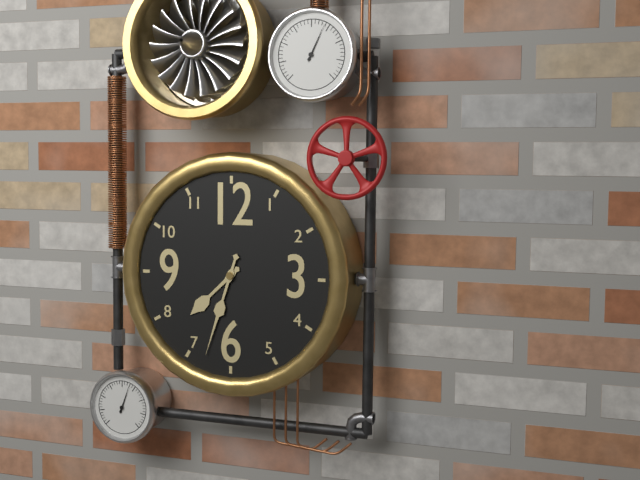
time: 7:33
